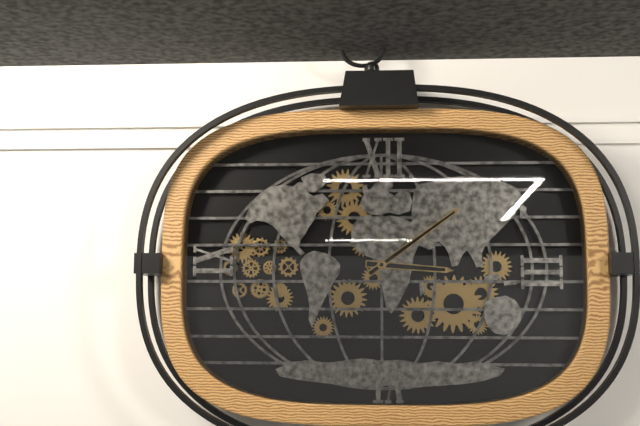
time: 3:09
